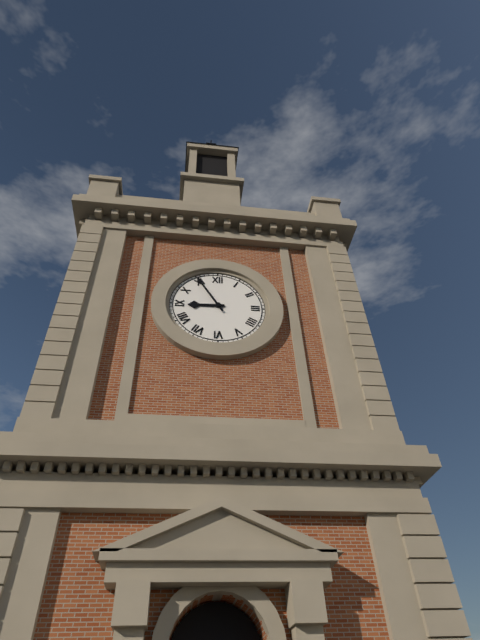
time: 8:55
